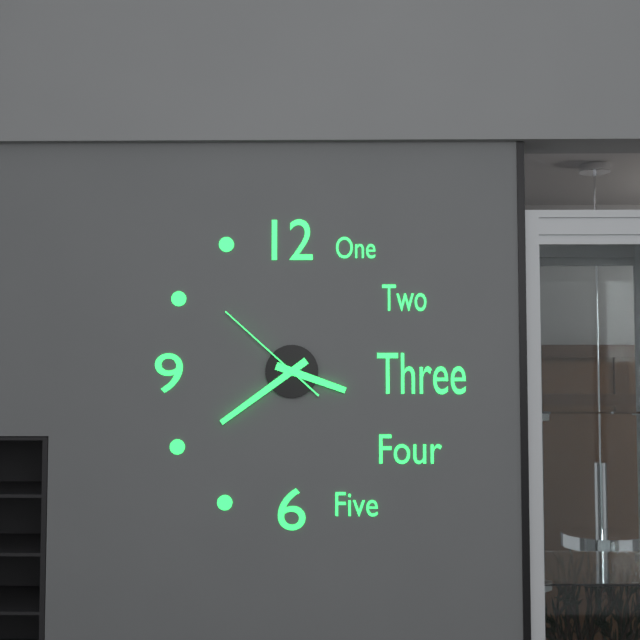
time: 3:39:52
